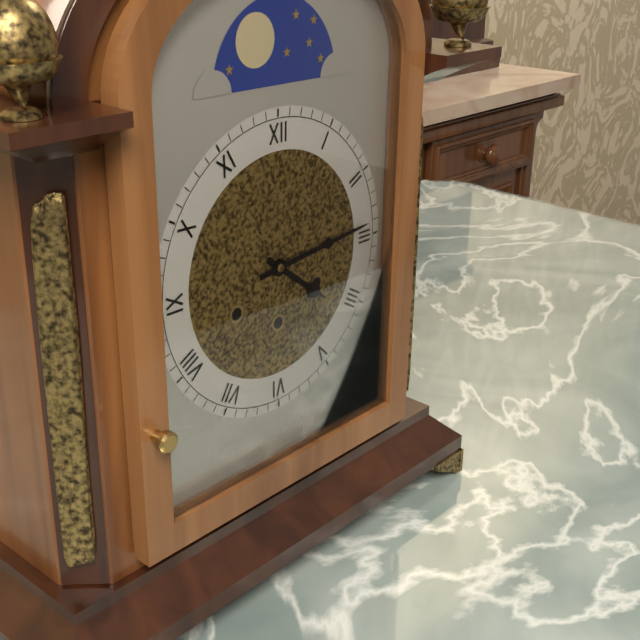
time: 4:14
